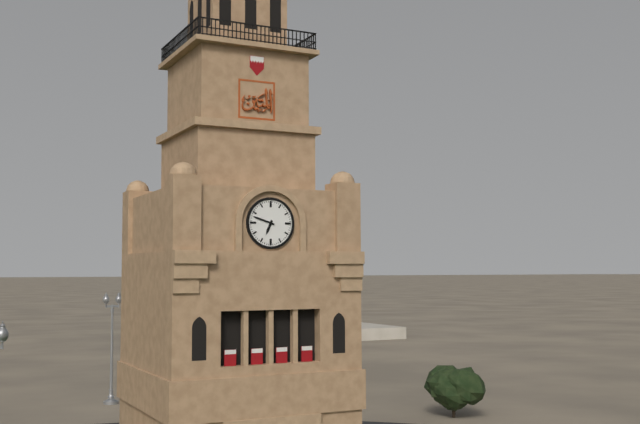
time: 6:48
